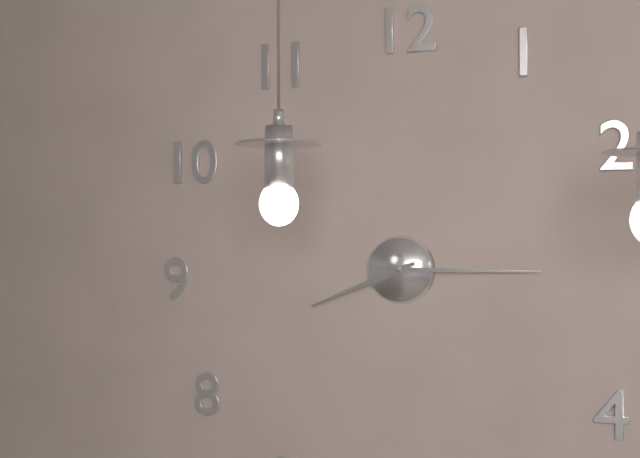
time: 8:15
